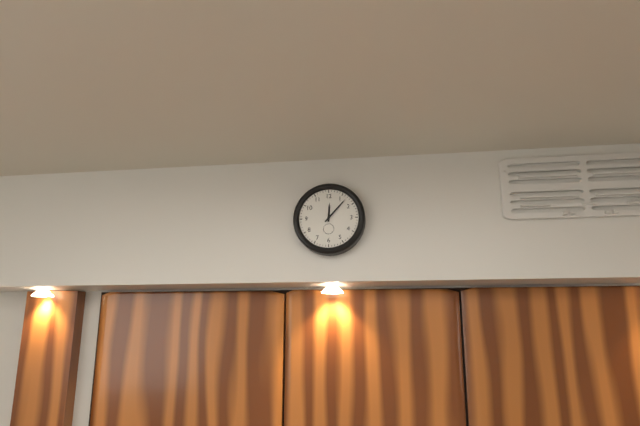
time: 12:07
